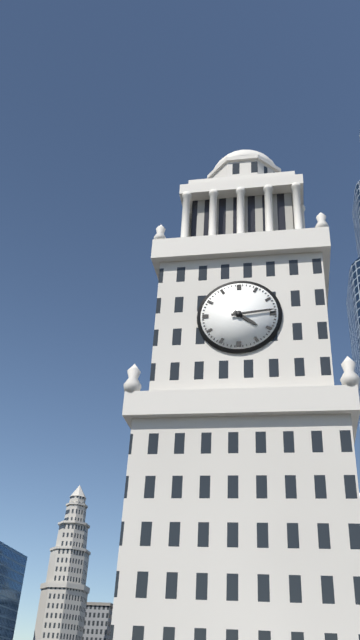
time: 4:14
